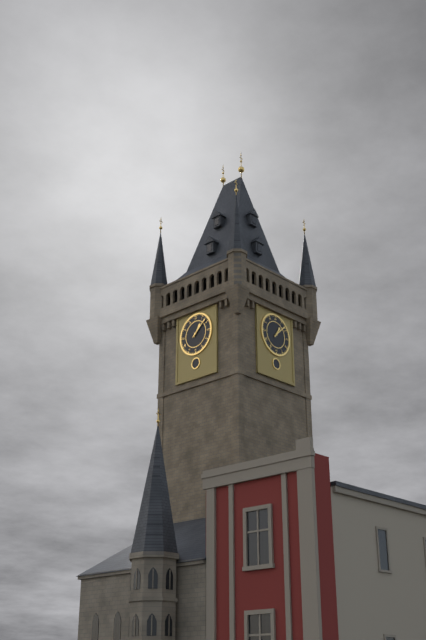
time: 1:08
